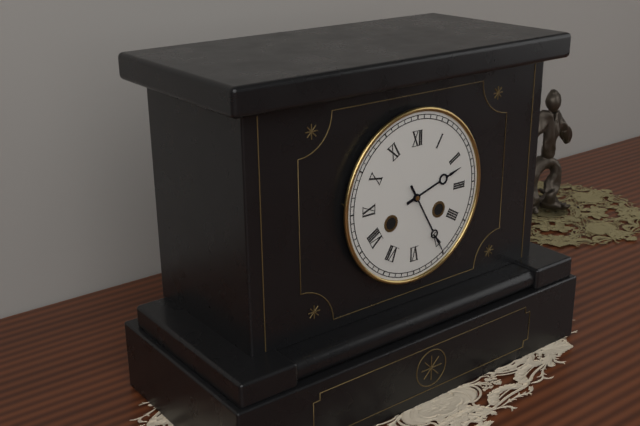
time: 2:25
